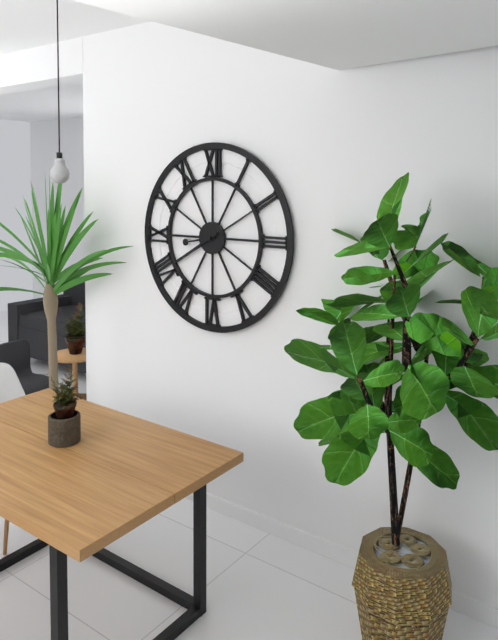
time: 8:40
